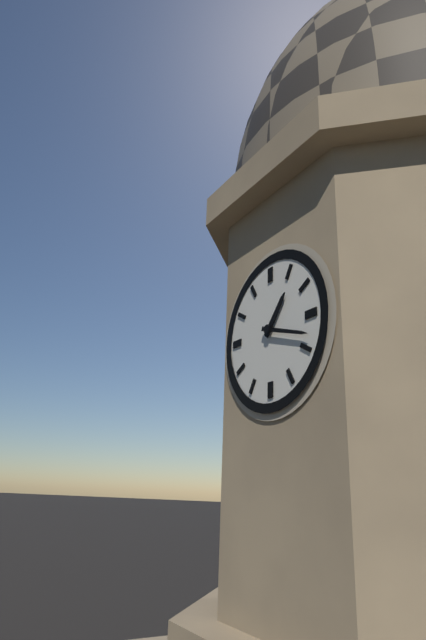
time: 1:18
